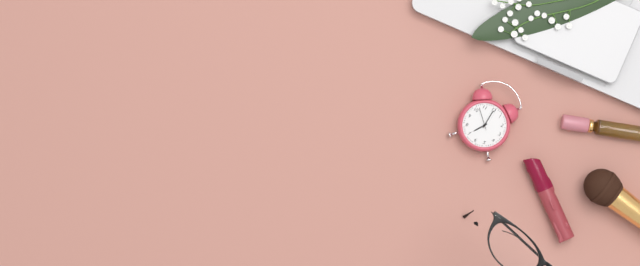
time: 7:00
